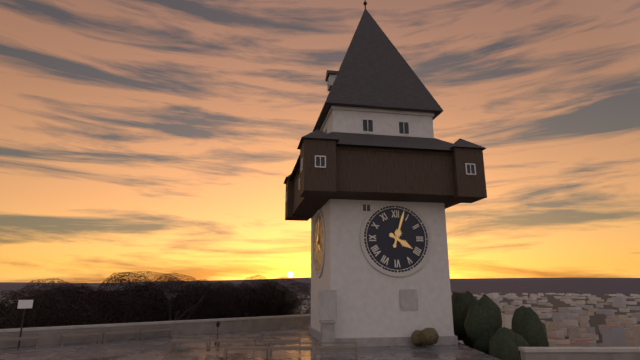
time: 4:03
